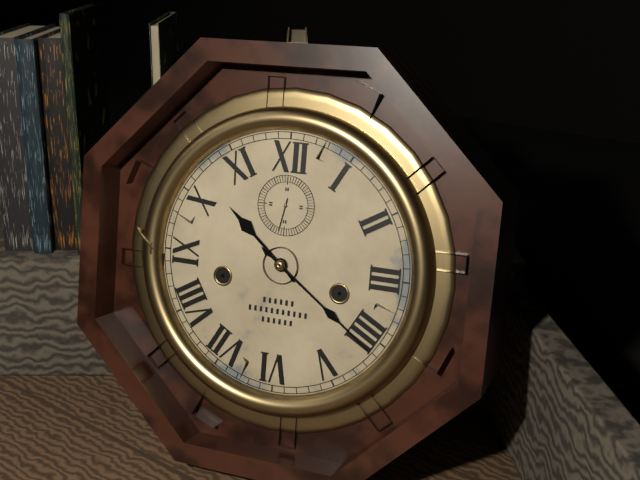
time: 10:21
